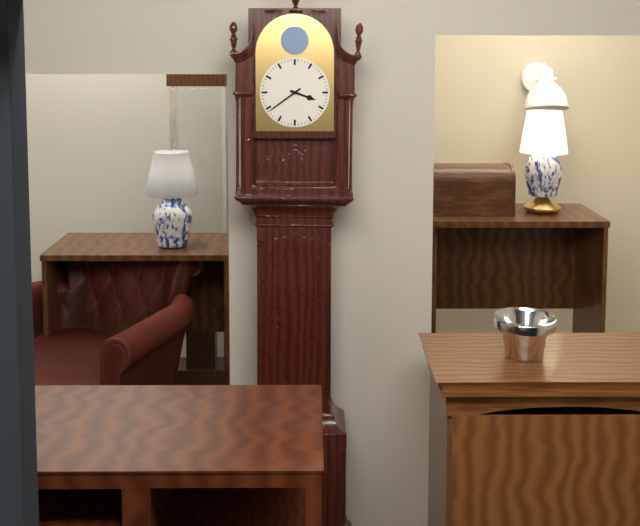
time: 3:39
